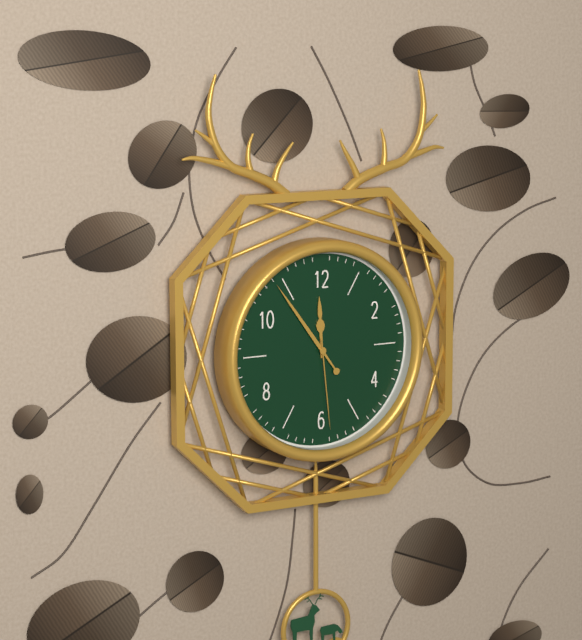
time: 11:54:29
